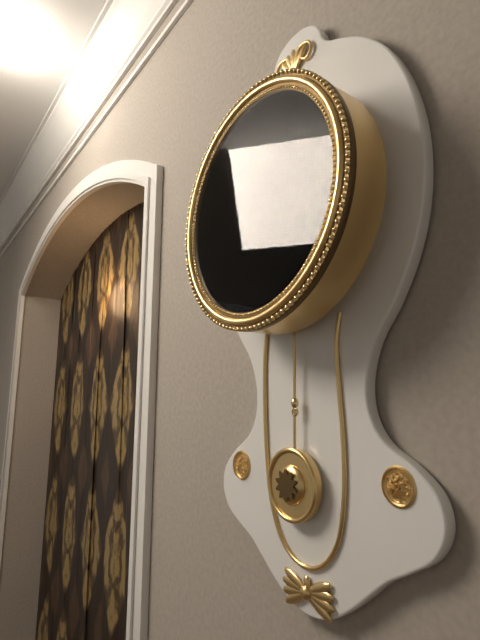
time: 9:04
